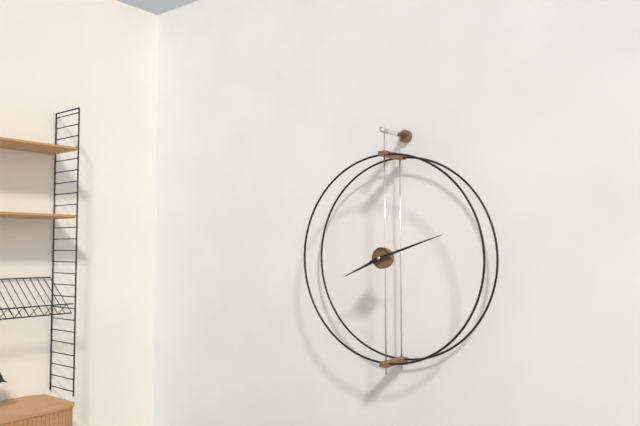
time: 8:12
